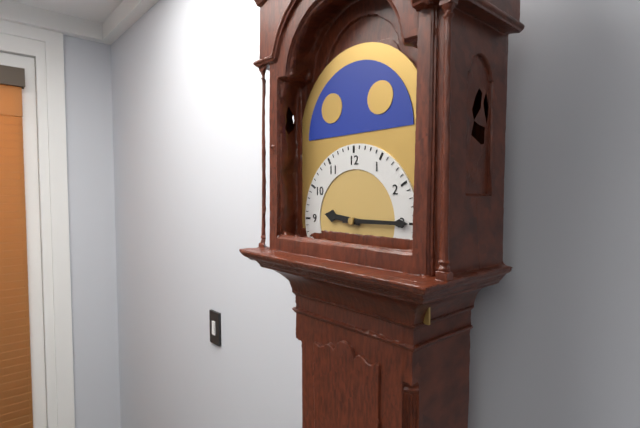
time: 9:15
